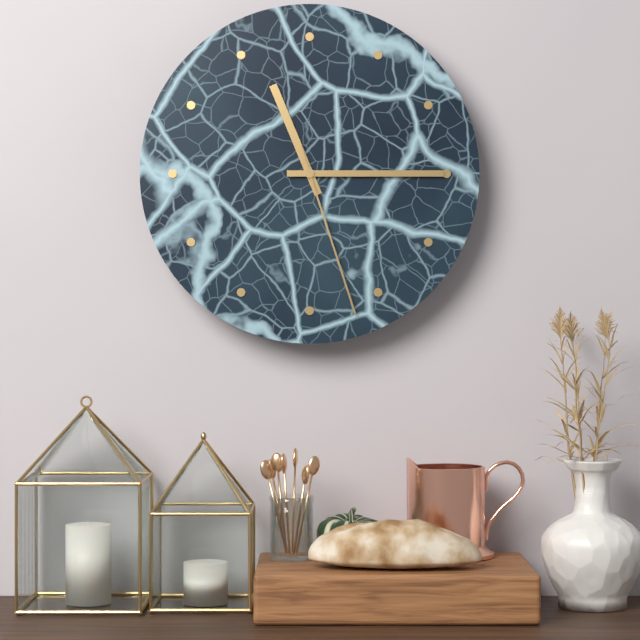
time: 11:15:27
